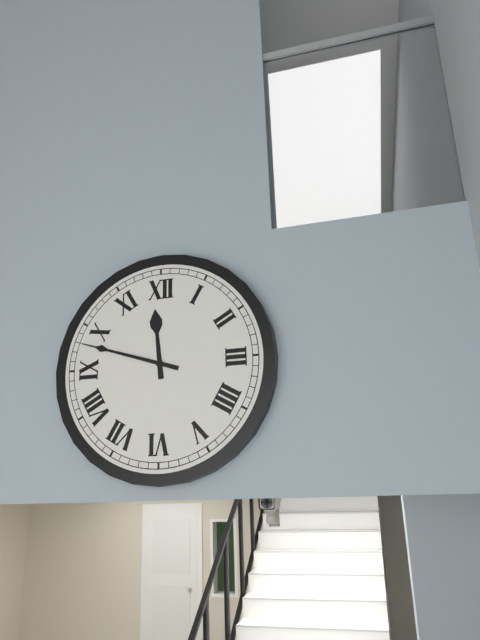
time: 11:48
